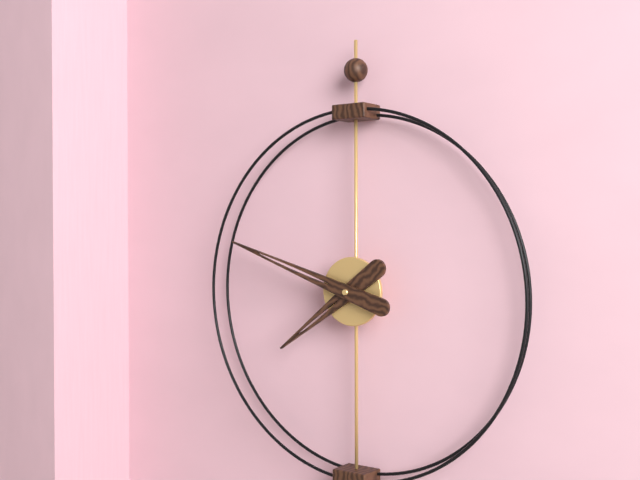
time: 7:48
